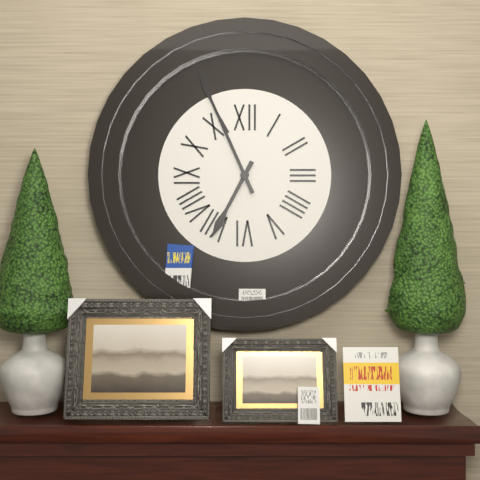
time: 6:56
